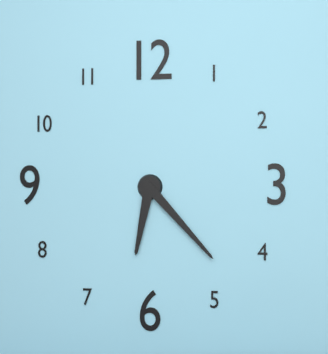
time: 6:23
